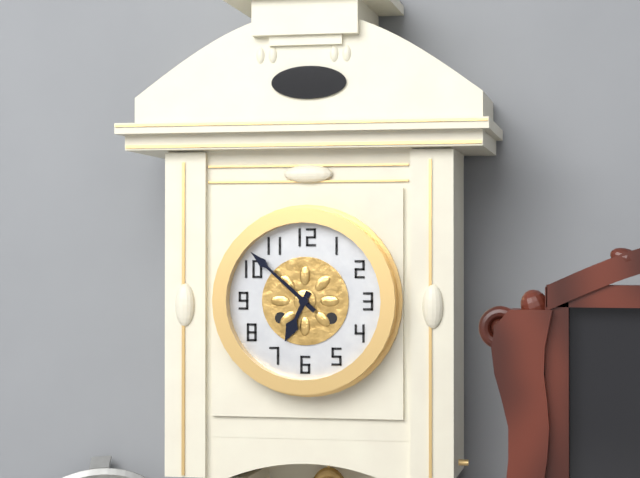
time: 6:52
